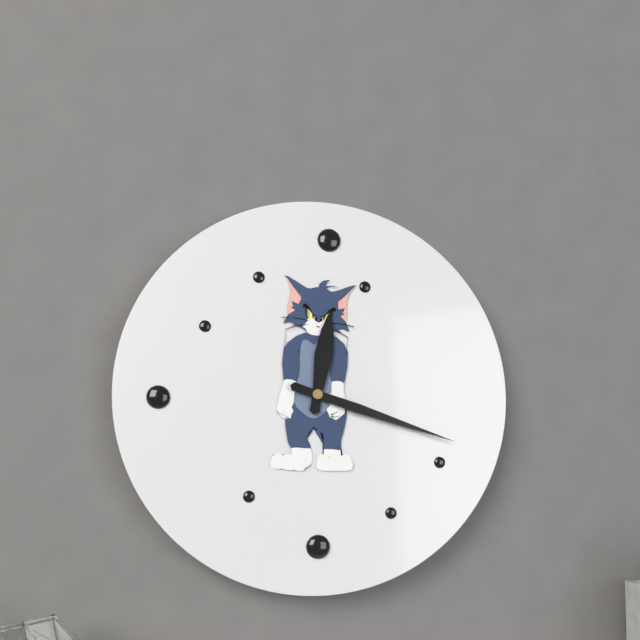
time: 12:18
